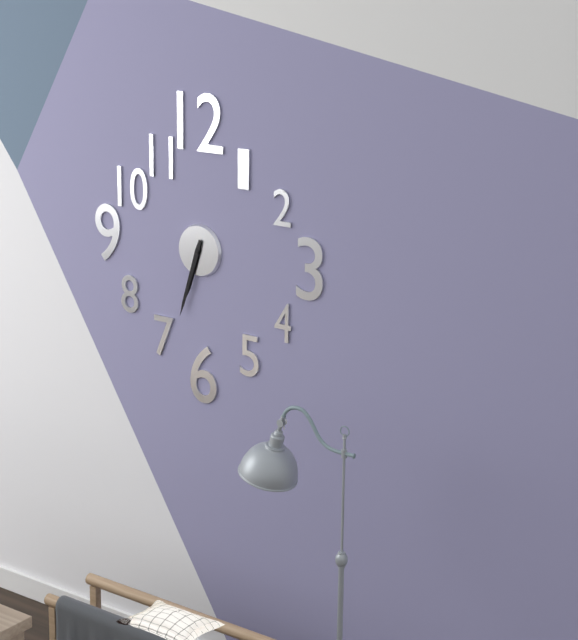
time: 6:33
